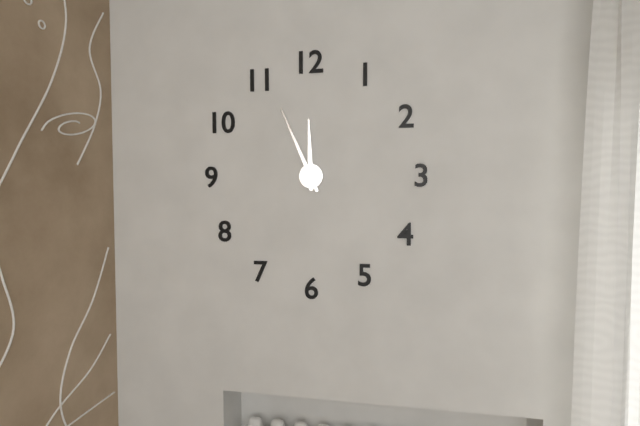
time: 11:56
